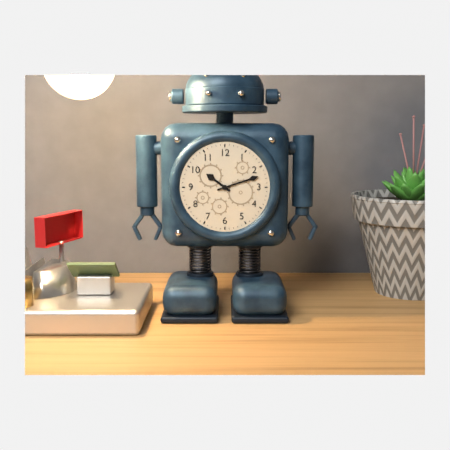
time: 10:12
